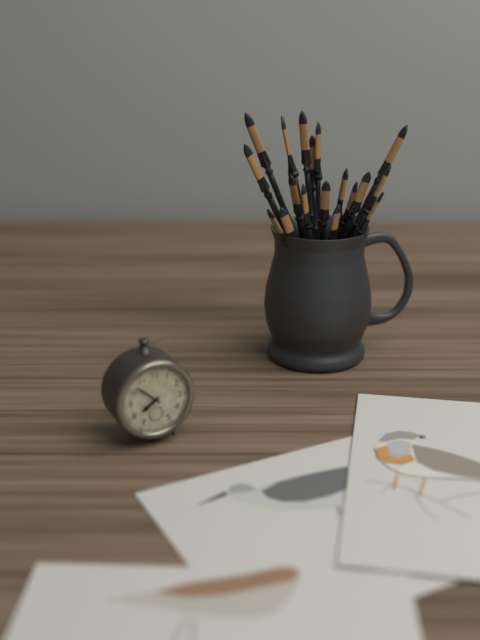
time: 7:52
